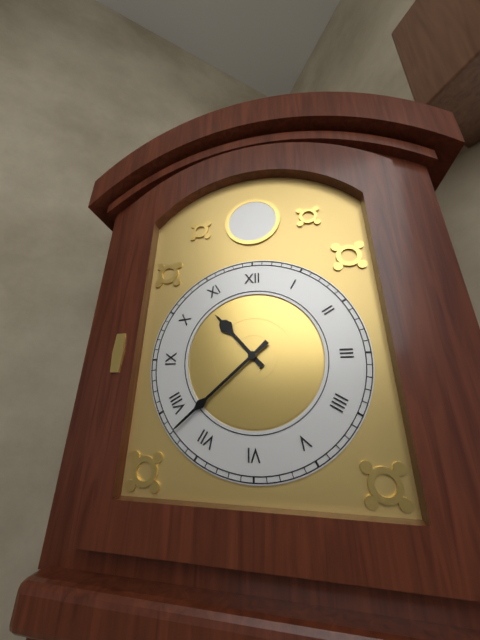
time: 10:38
